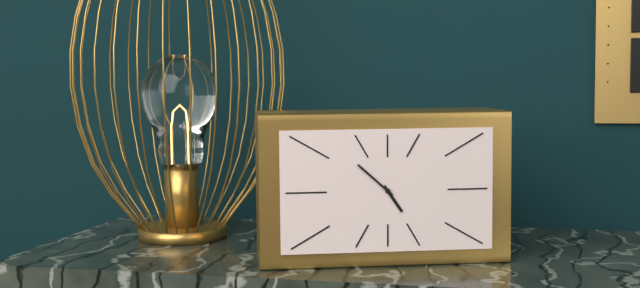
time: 4:52
